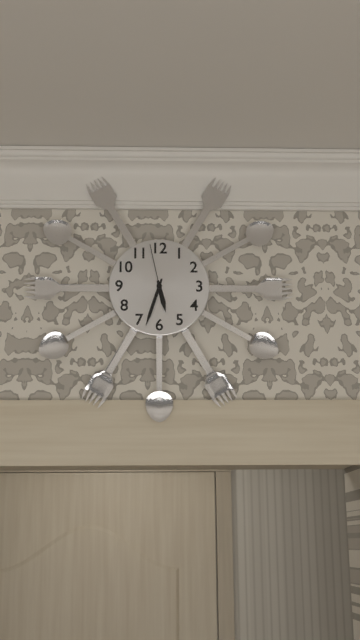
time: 5:33:58
